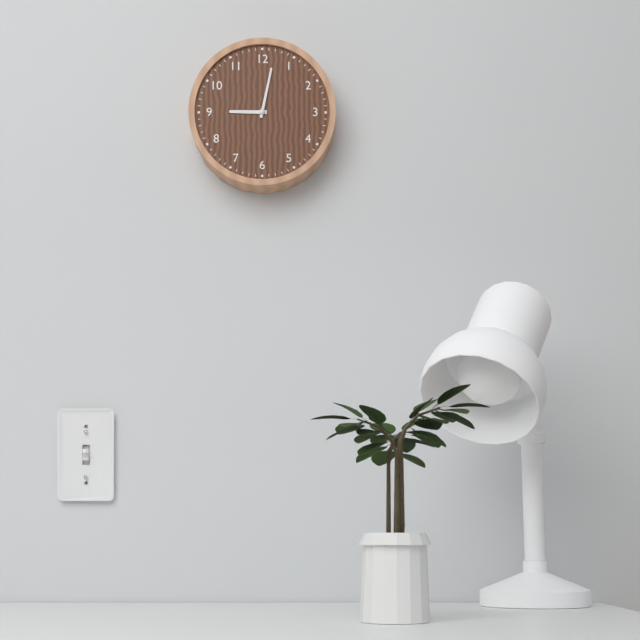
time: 9:02
